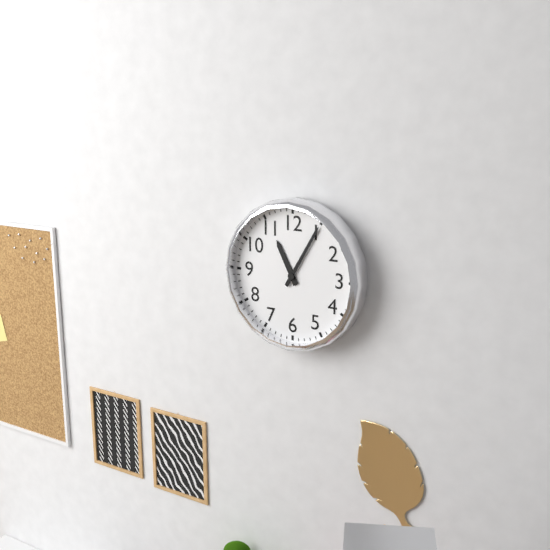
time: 11:05
